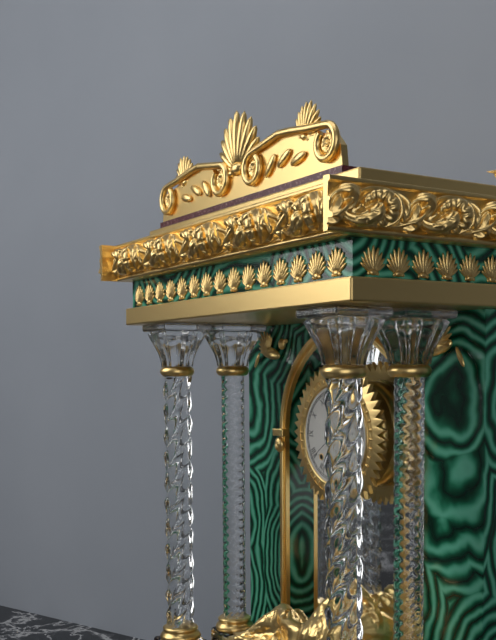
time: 2:02
